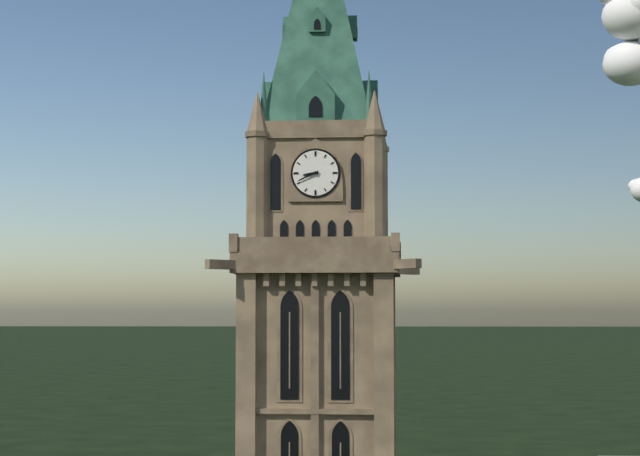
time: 8:41
